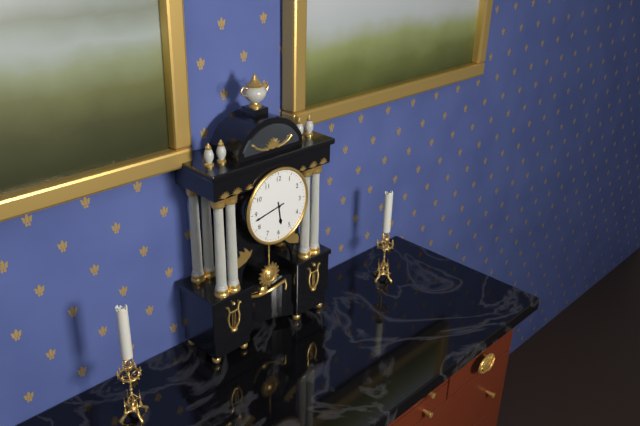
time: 5:43
